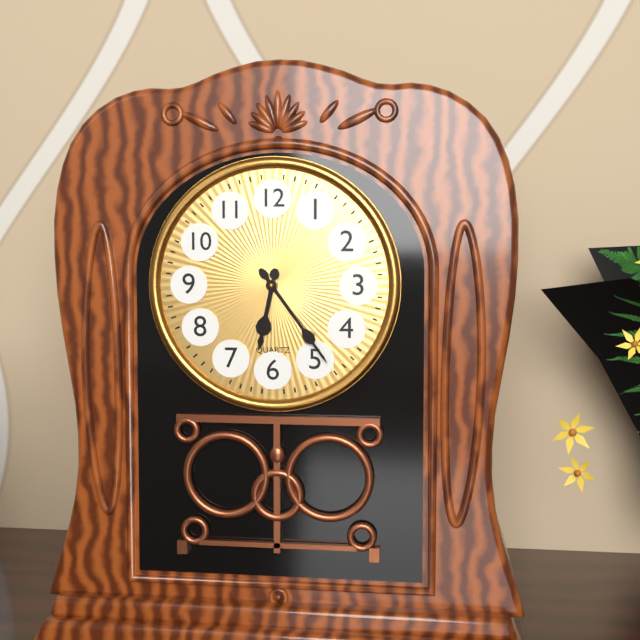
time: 6:24
